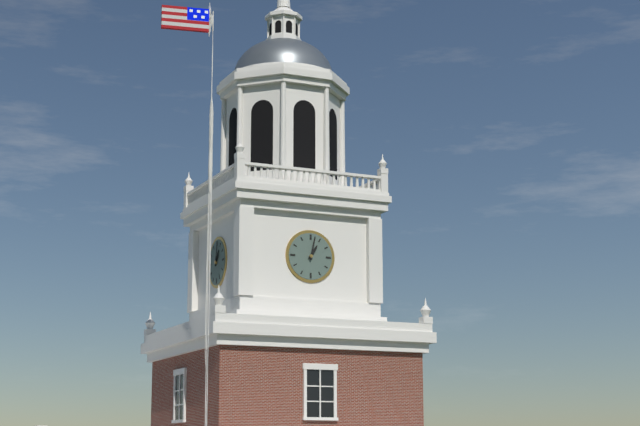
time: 1:02
